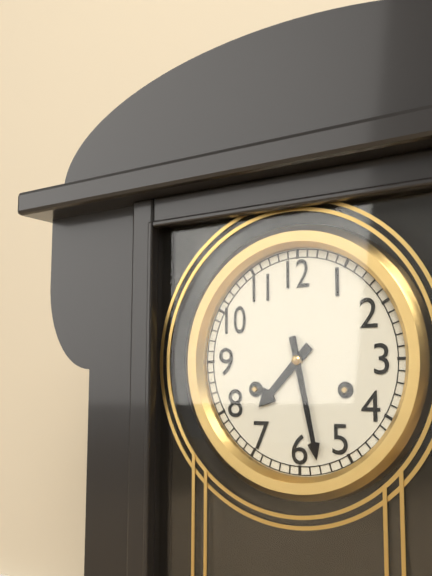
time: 7:28
